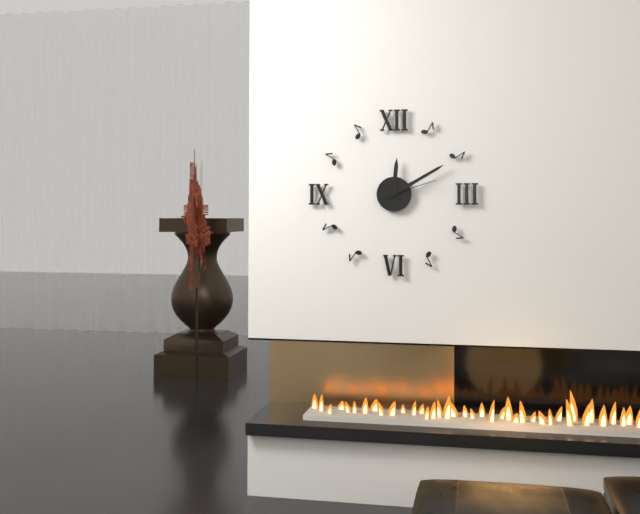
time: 12:10:12
